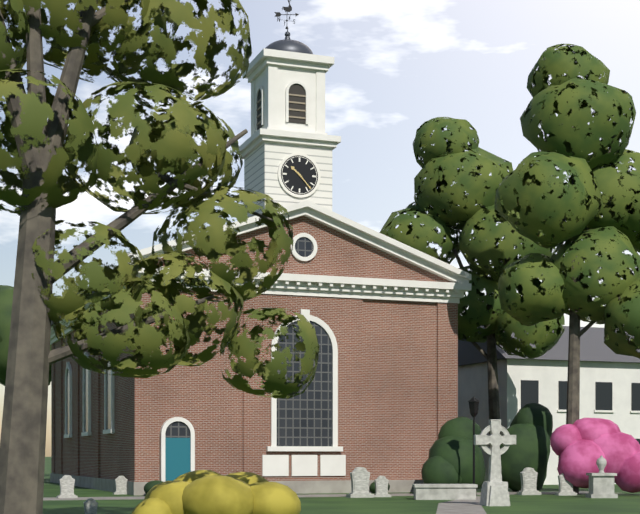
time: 10:23
